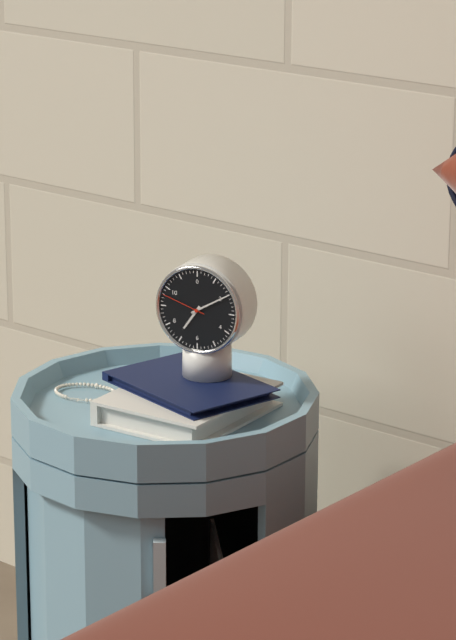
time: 7:10
